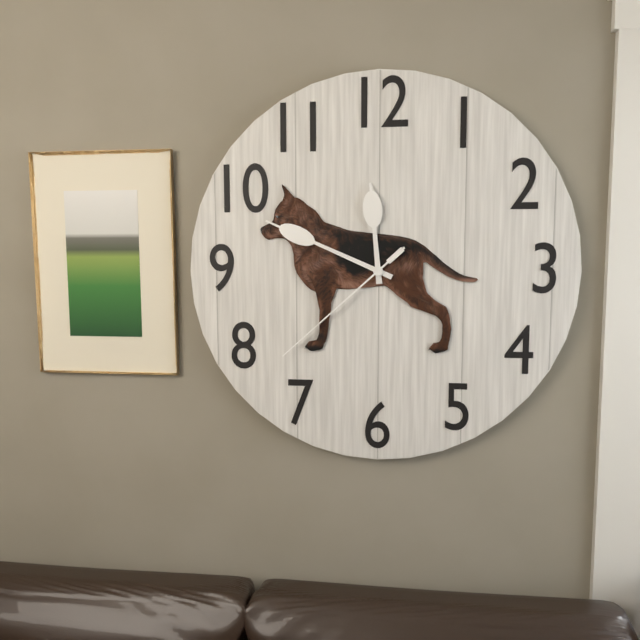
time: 11:49:38
